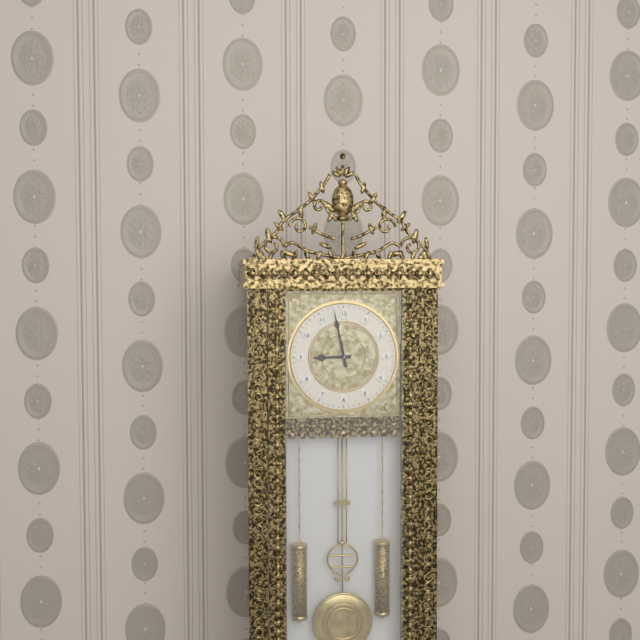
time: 8:58
